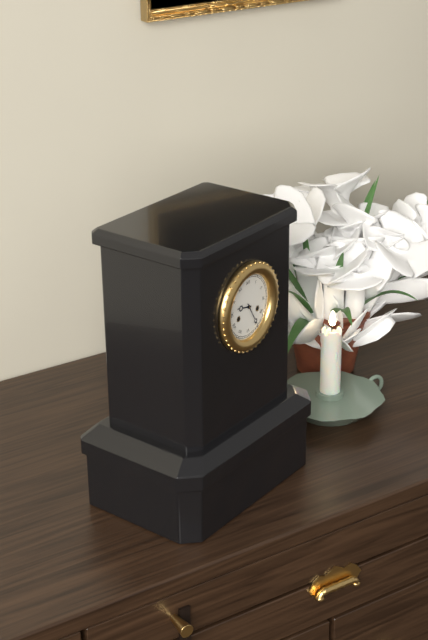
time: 9:25
